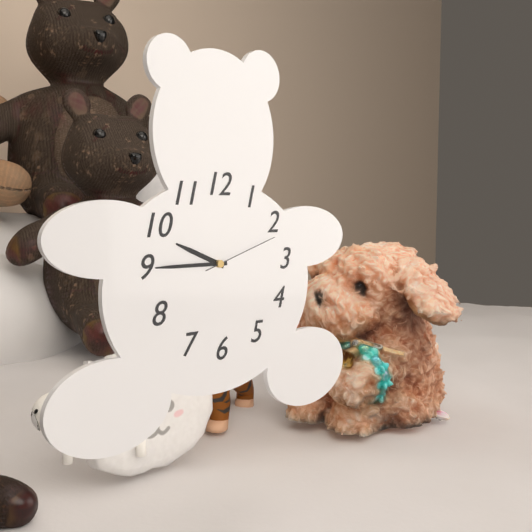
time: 9:45:12
